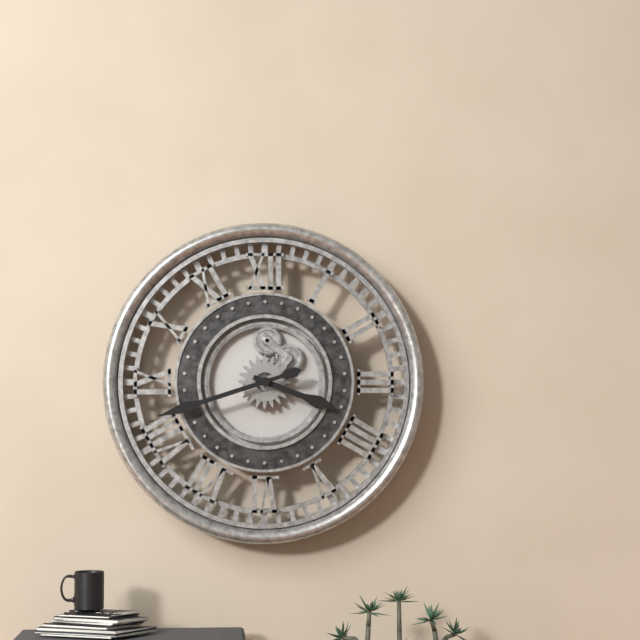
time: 3:42
